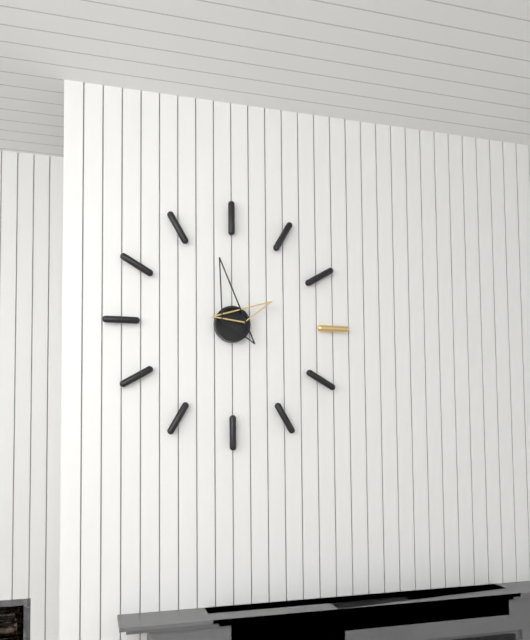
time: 1:58
